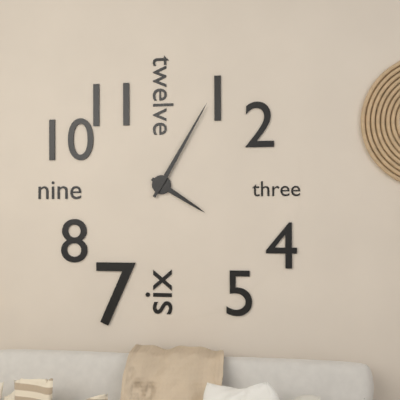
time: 4:05
